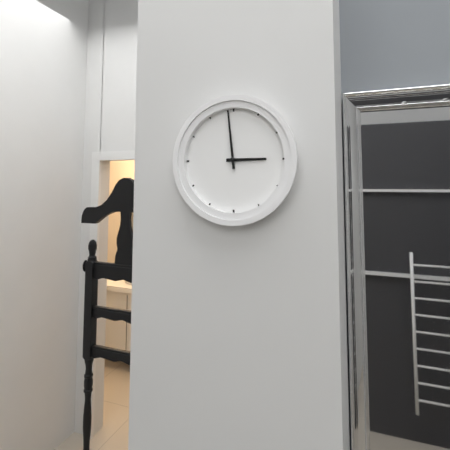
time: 2:59
